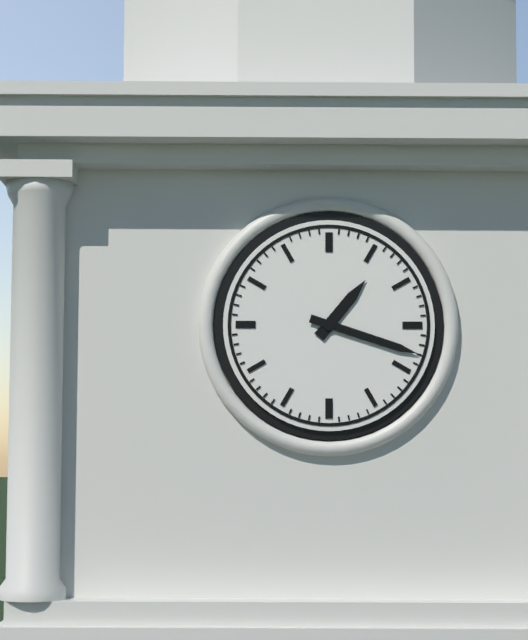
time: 1:18
